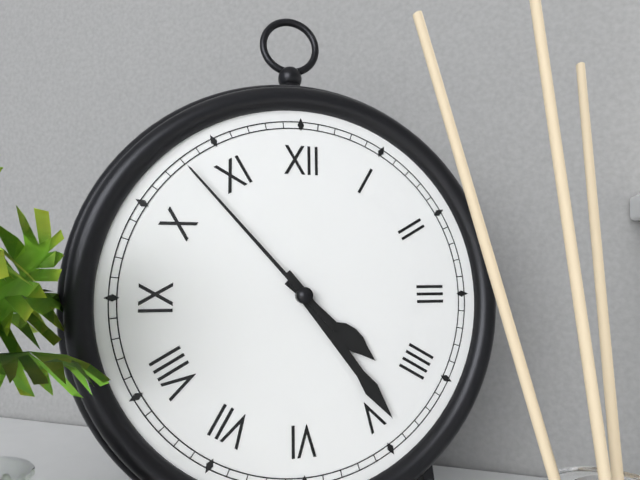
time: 4:24:53
